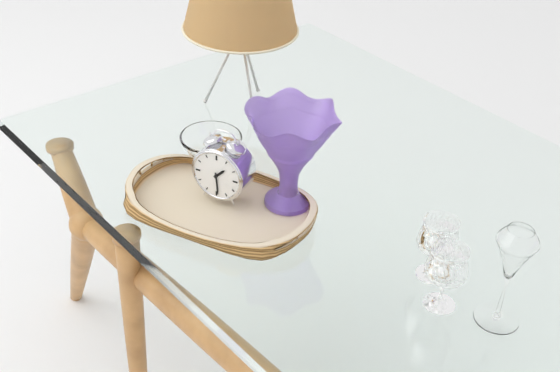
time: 1:29
